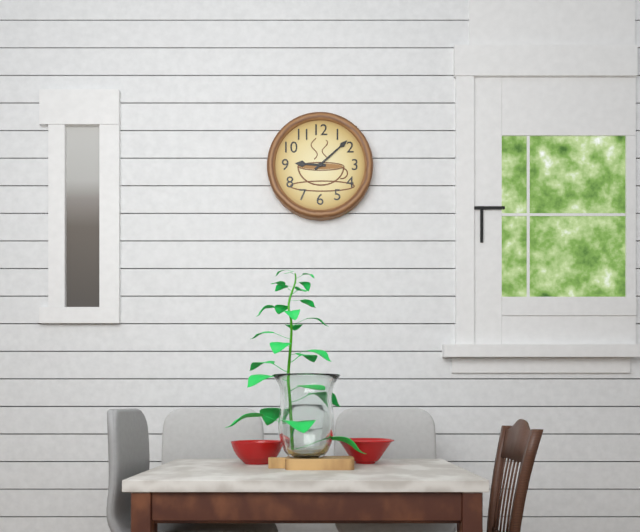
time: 9:08
